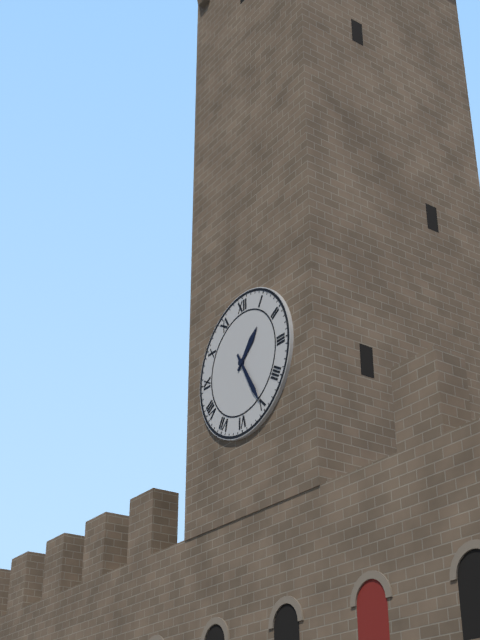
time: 1:25
